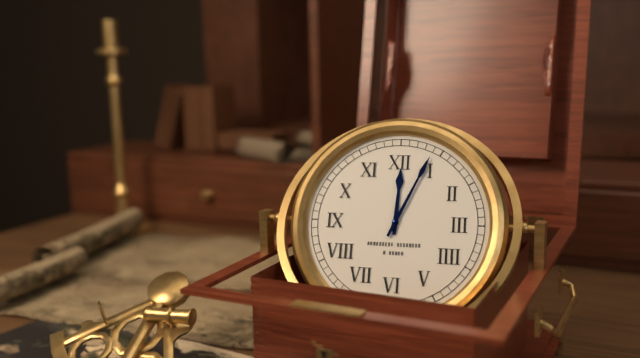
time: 12:04
